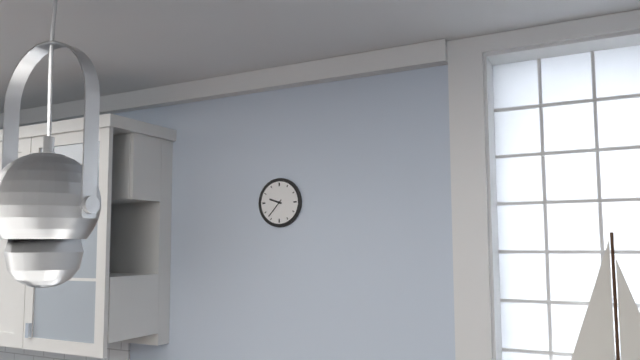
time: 9:37
